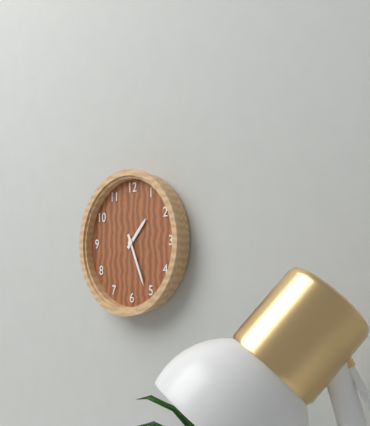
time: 1:26
